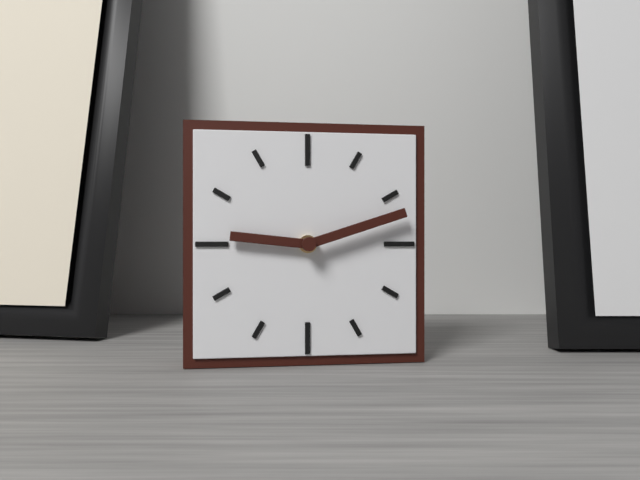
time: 9:12
